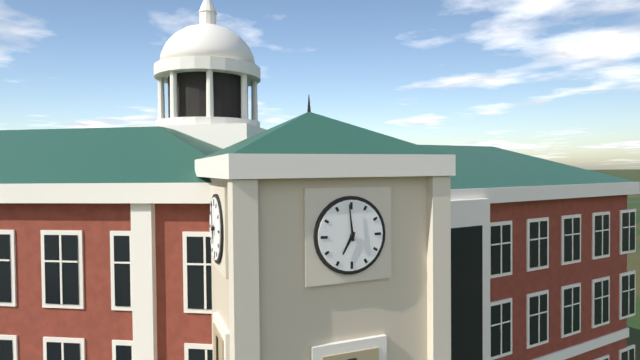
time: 6:59
